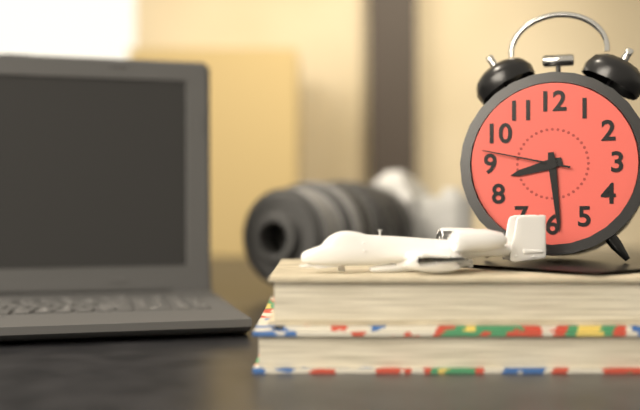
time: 8:29:47
